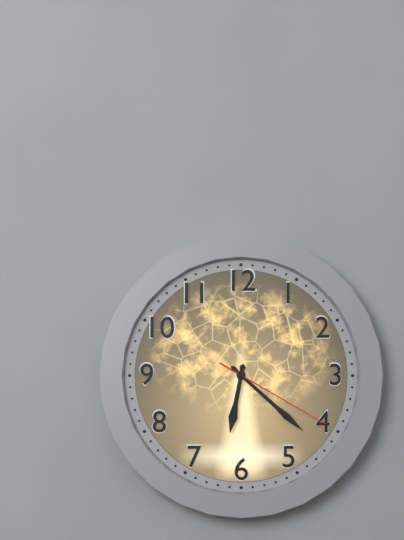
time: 6:22:20
